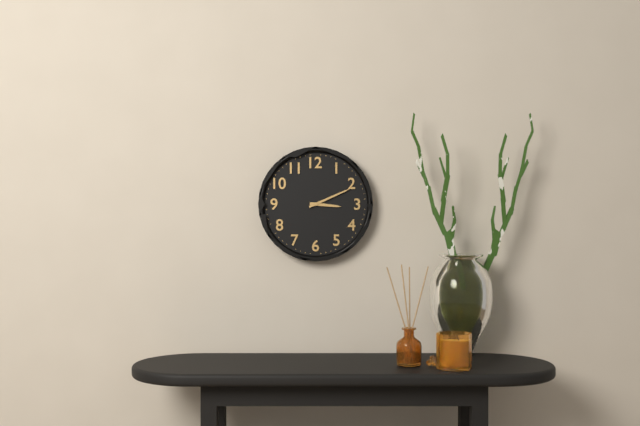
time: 3:11
